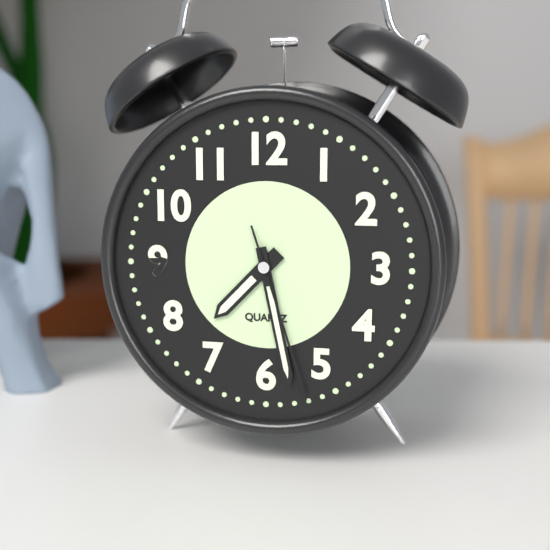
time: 7:28:27
